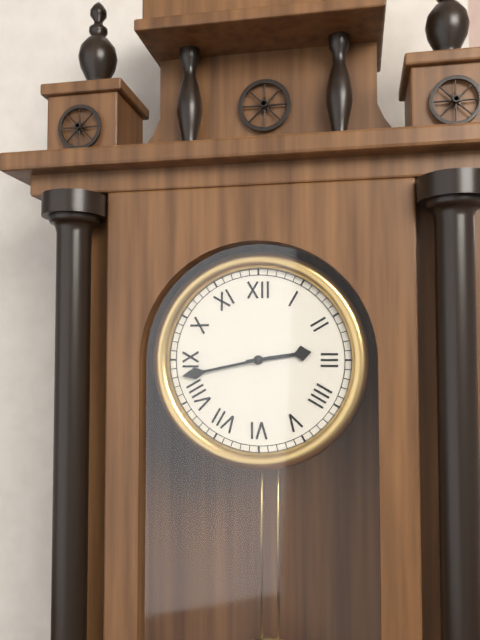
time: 2:43
